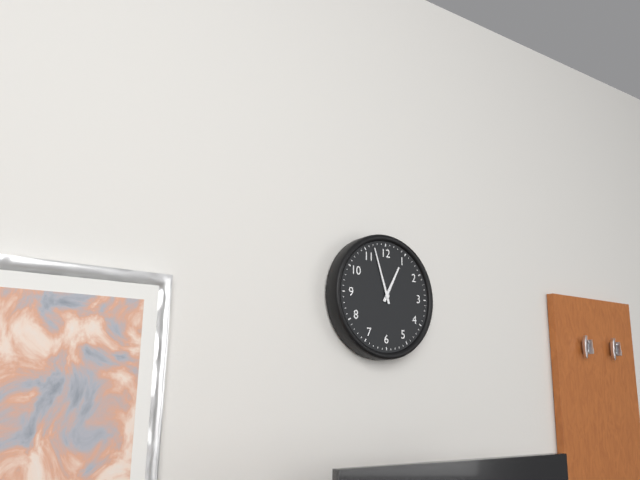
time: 12:57
